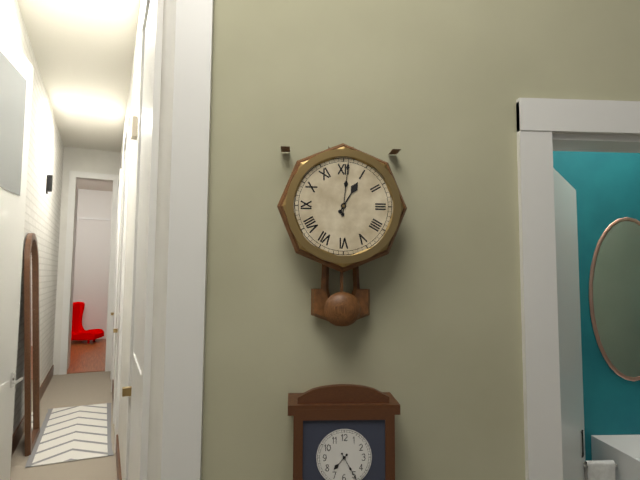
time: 1:01
